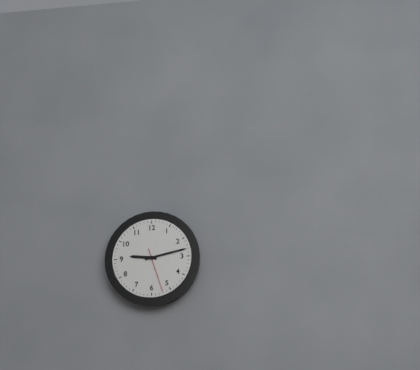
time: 9:13
